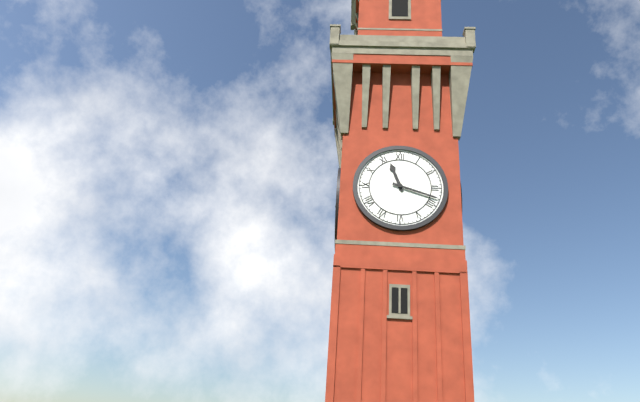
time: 11:18
